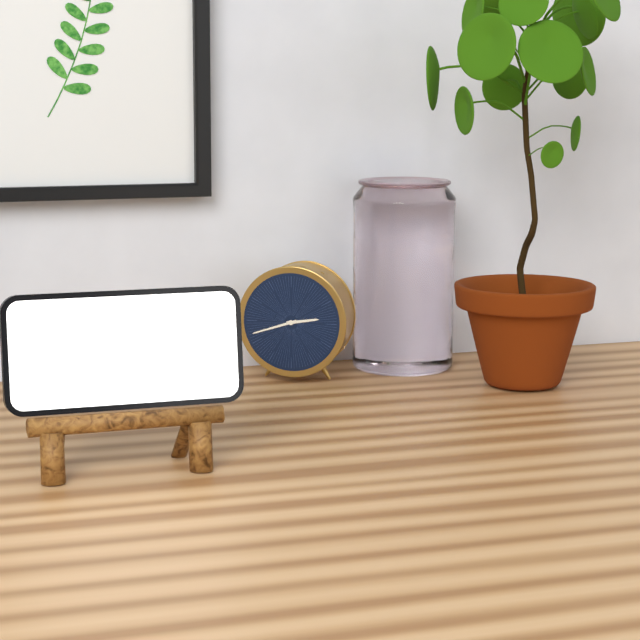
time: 2:42
